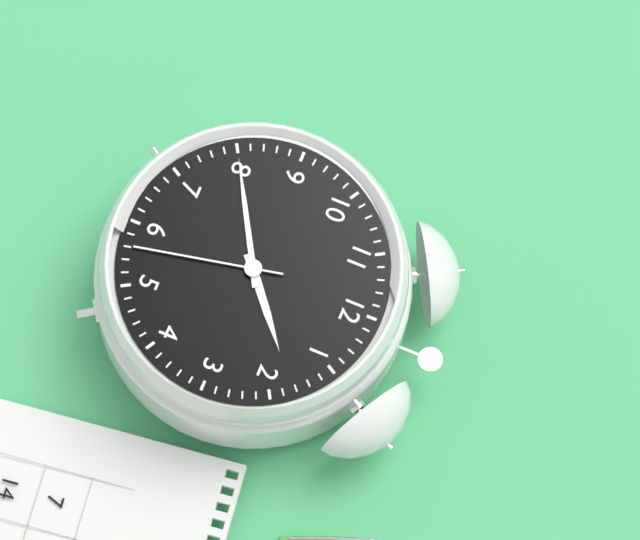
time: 1:40:28
